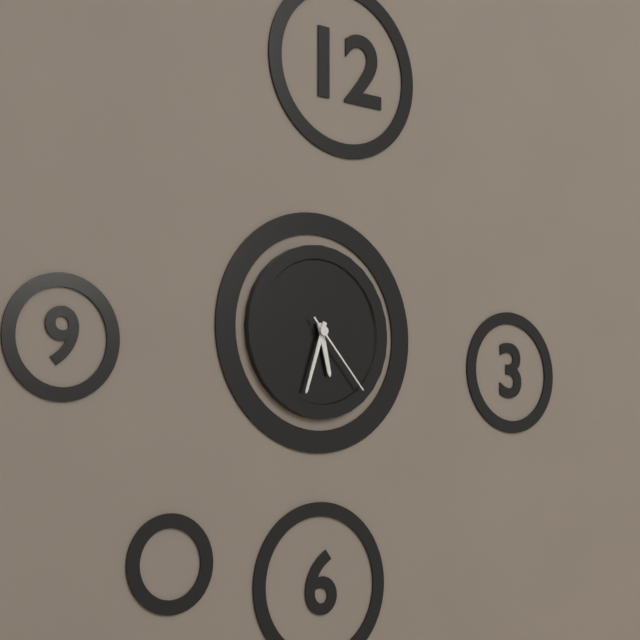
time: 5:33:23
